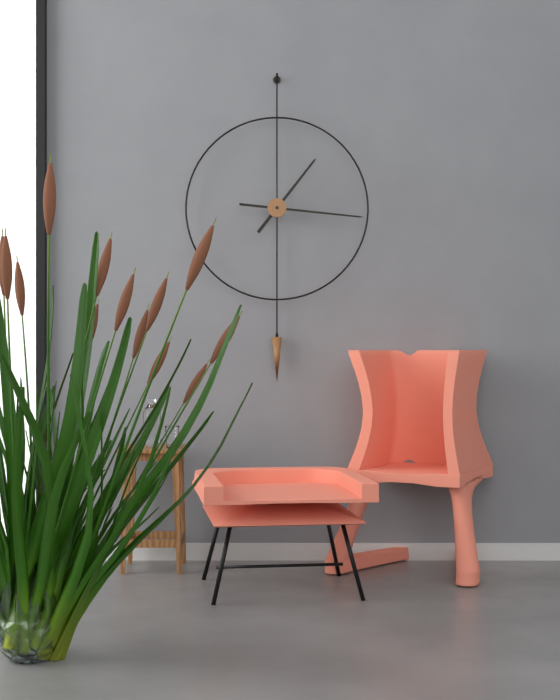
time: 1:16
